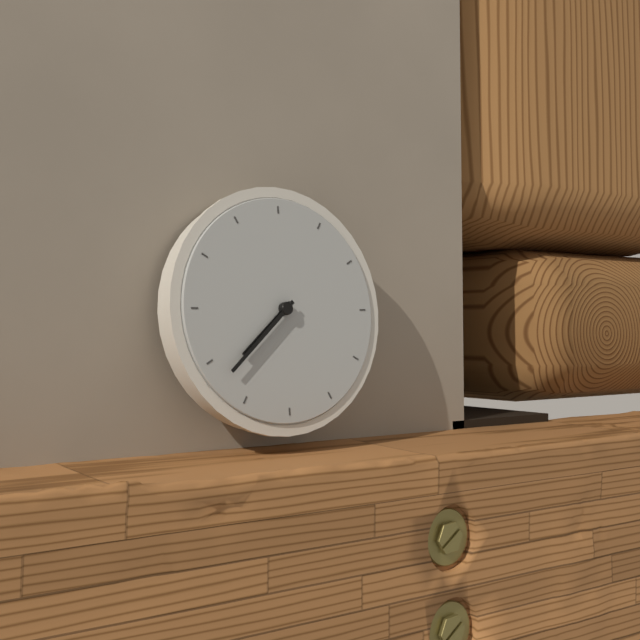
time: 7:38
